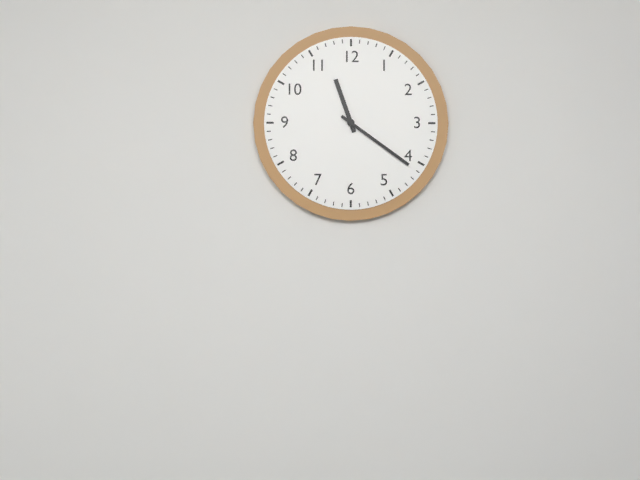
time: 11:21
